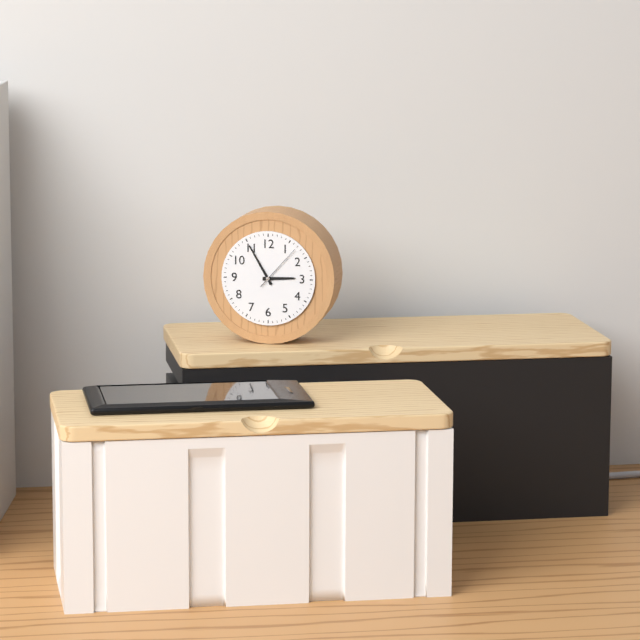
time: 2:55
